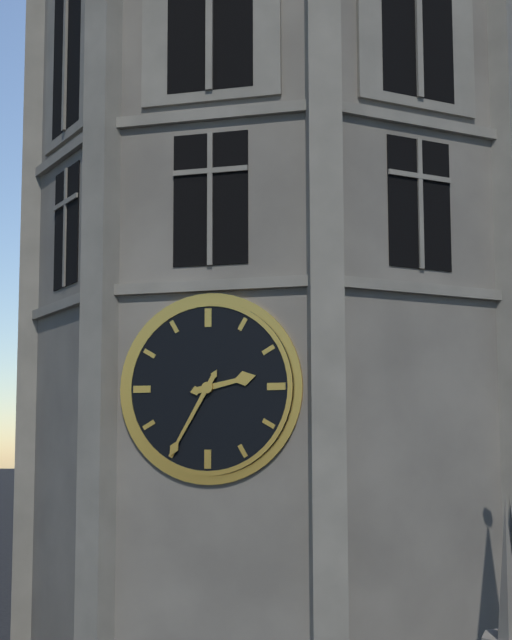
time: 2:35
